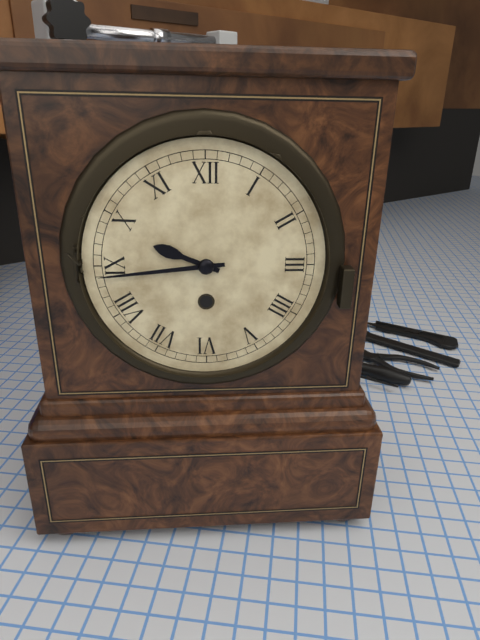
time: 9:44
